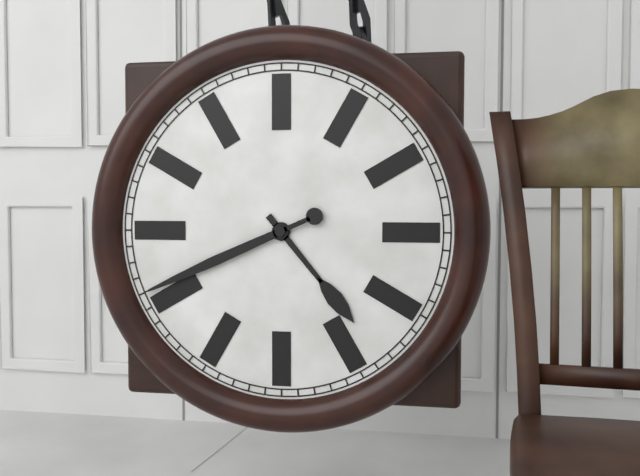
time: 4:41
